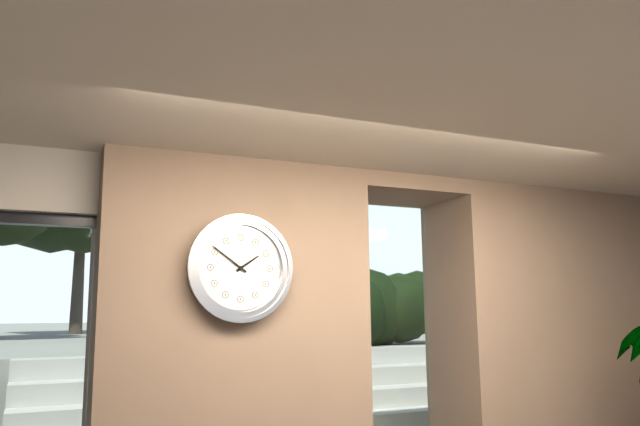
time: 1:51
